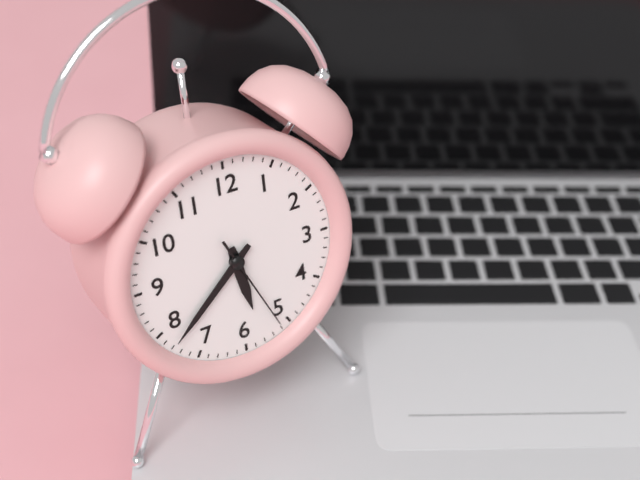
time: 5:38:26
